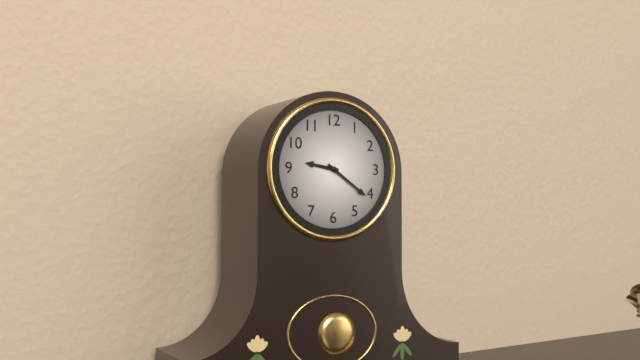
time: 9:21
